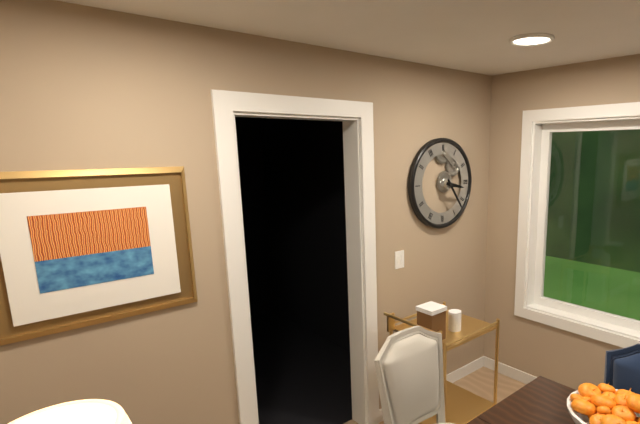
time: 3:24
